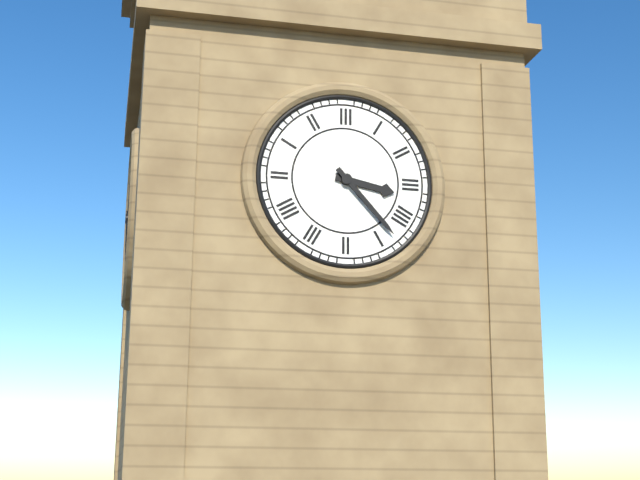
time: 3:23
